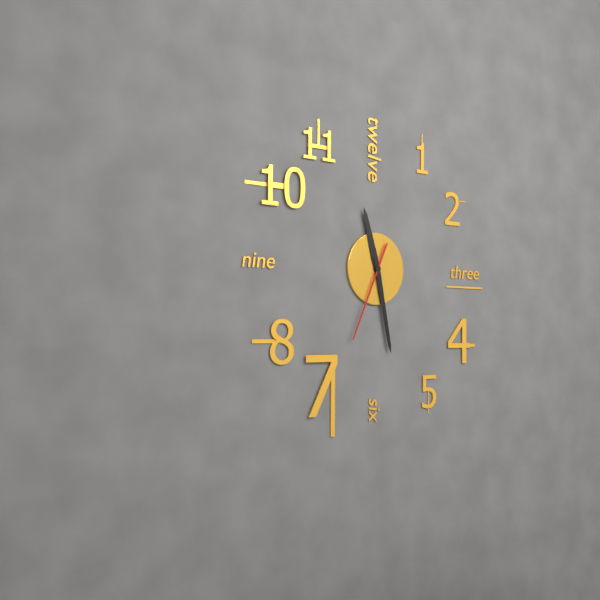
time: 11:28:34
